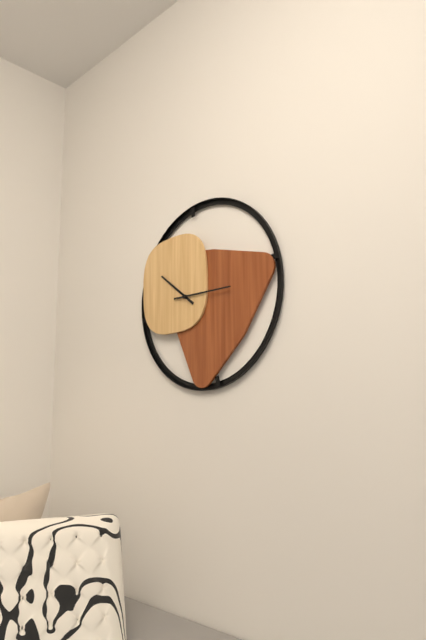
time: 10:15
